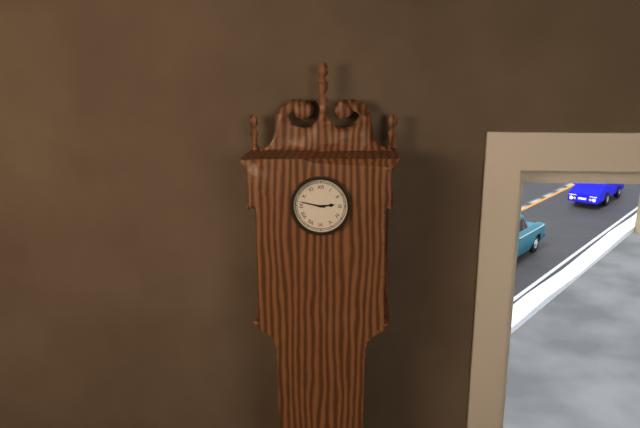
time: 2:47
